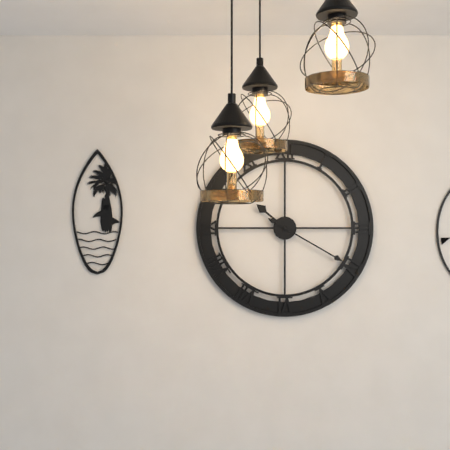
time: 10:20
